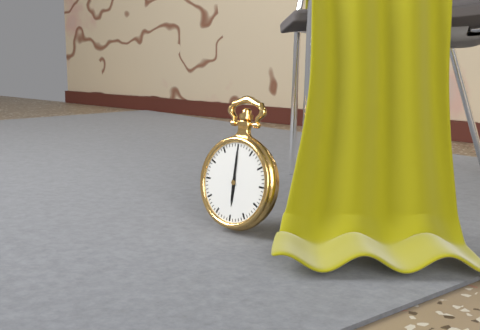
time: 6:00
